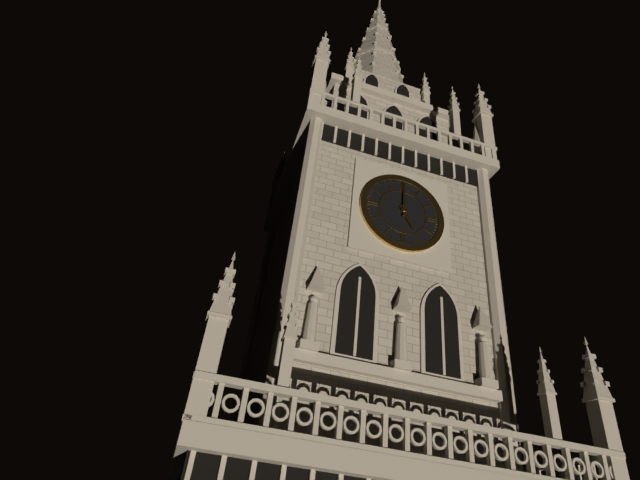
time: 5:00
